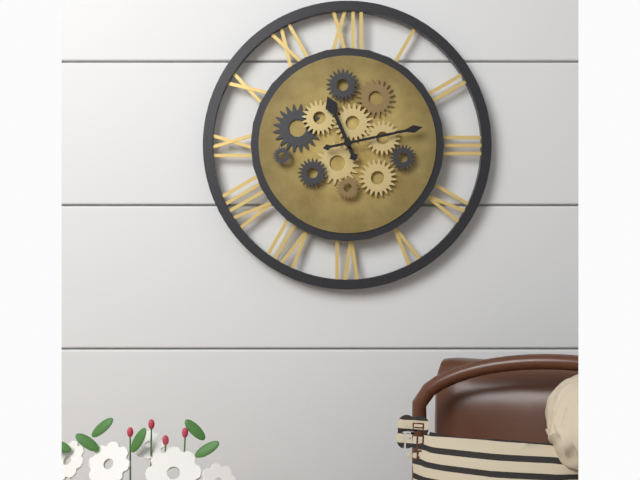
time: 11:13
